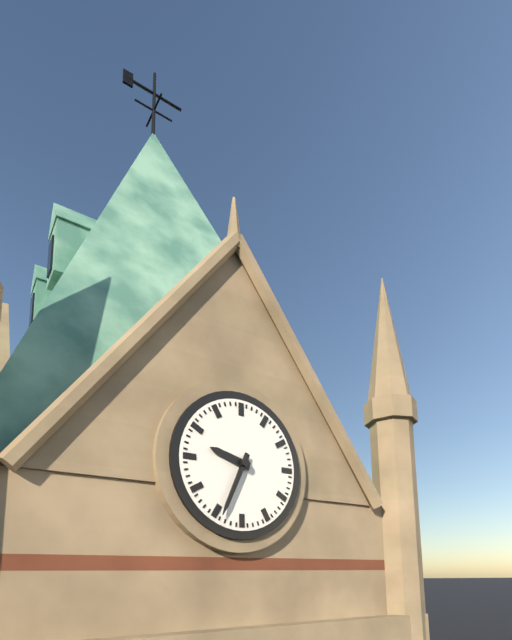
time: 9:34
